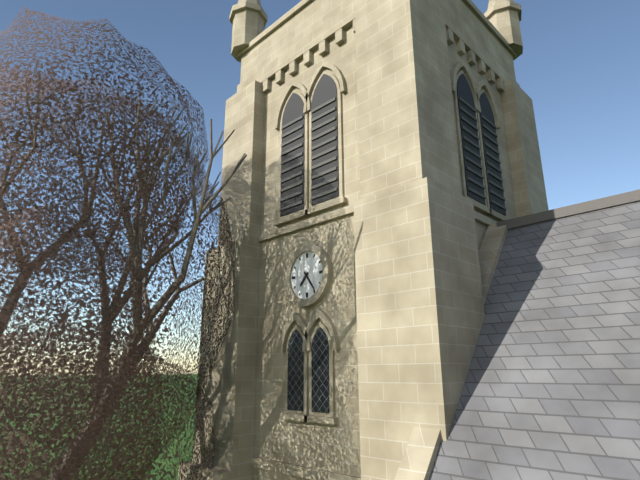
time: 7:24
